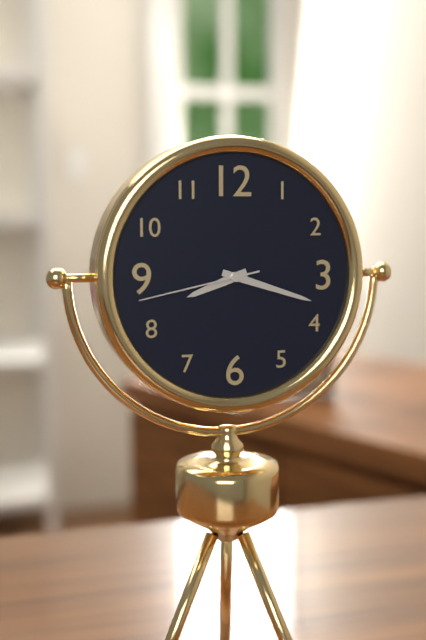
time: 8:18:43
